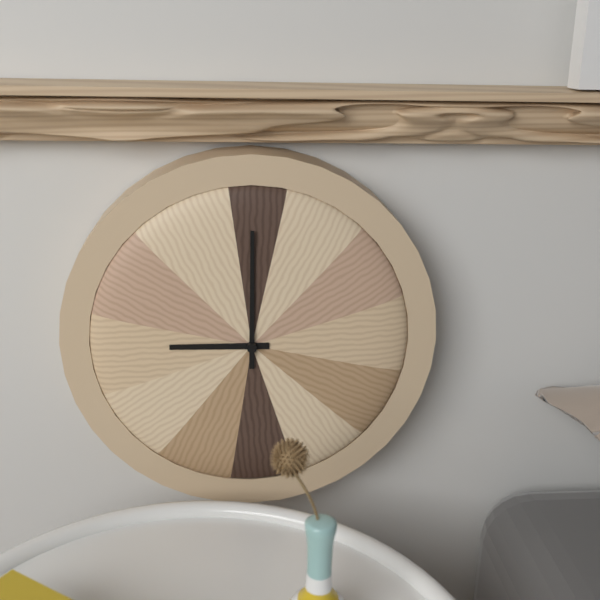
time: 9:00
